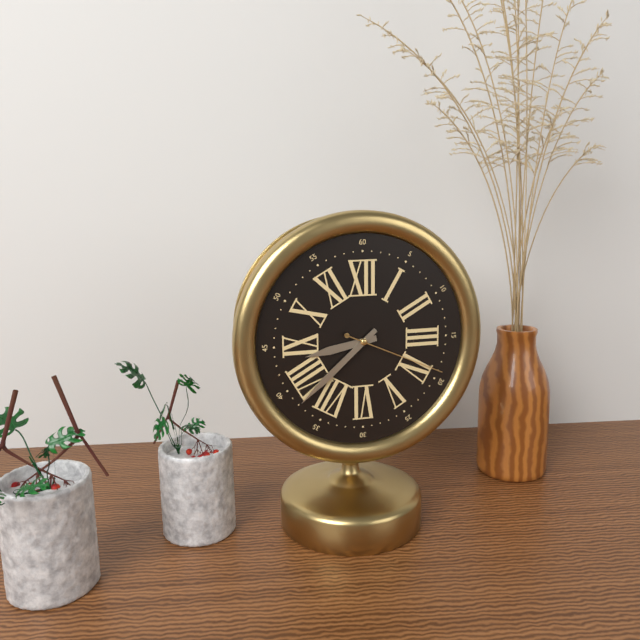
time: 8:38:19
